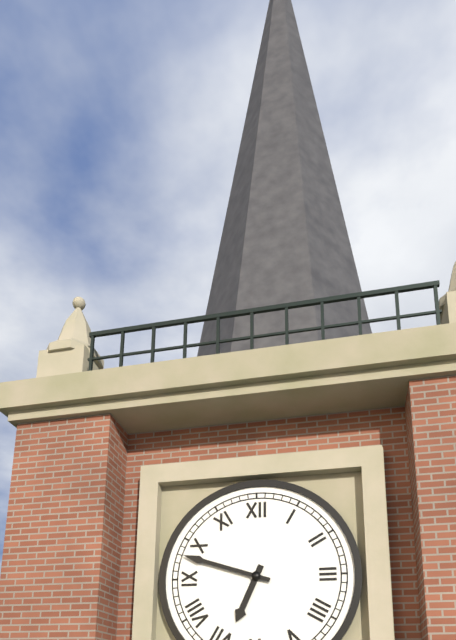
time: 6:48
